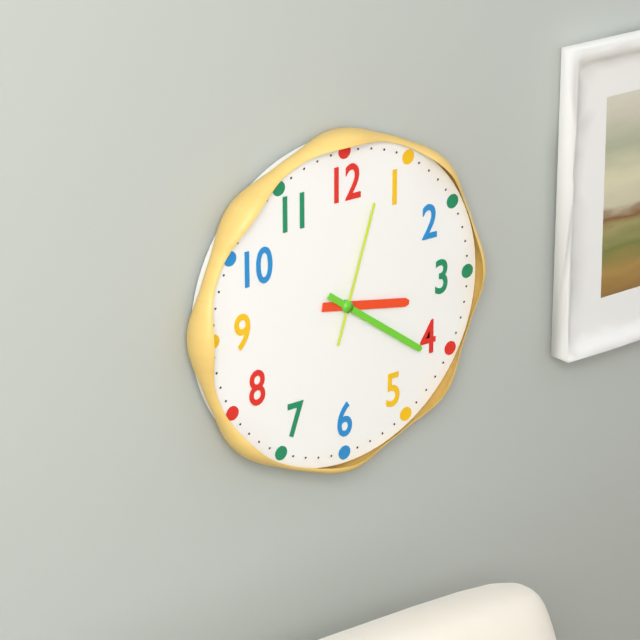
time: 3:21:03
